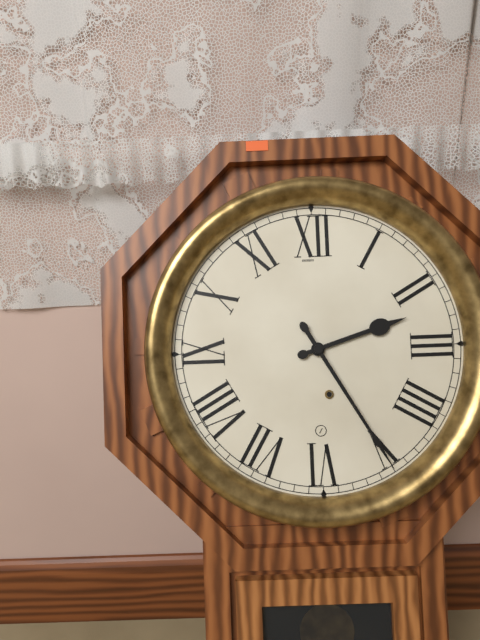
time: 2:25
